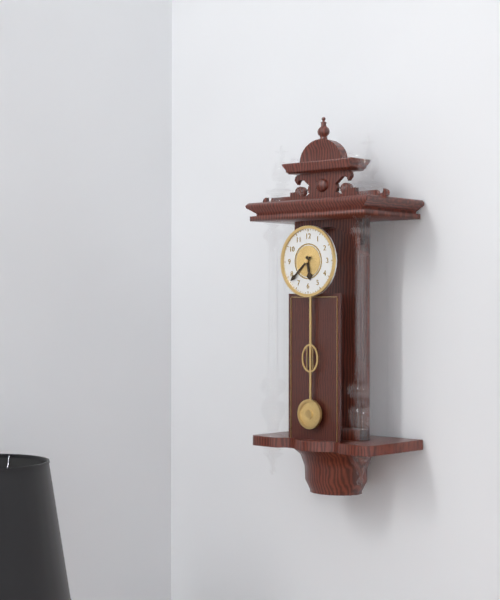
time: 5:38
